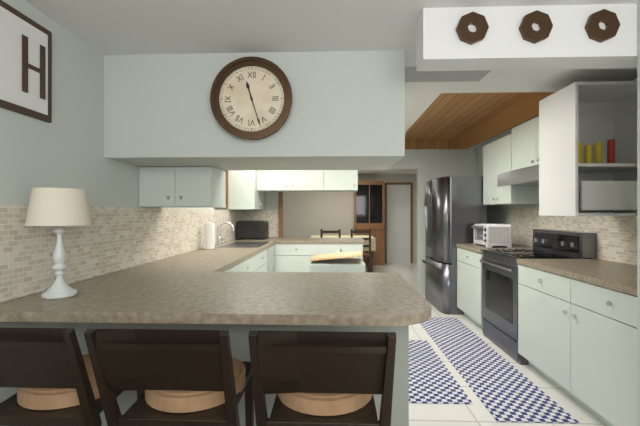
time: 11:27
